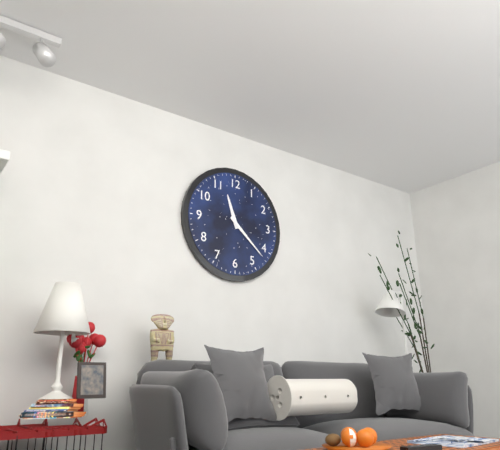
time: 11:22
